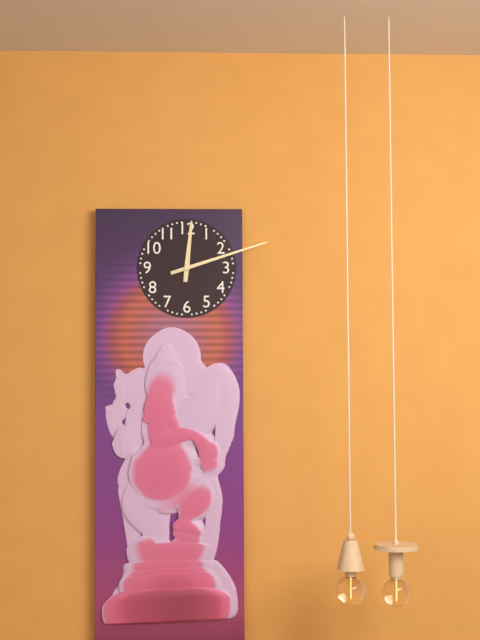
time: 12:12
